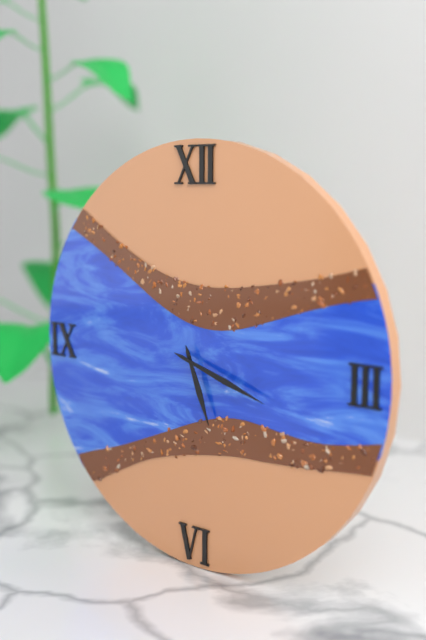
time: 5:18
